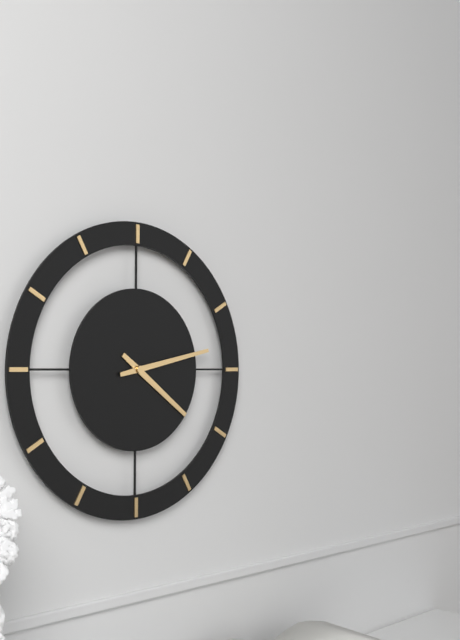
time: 4:13
